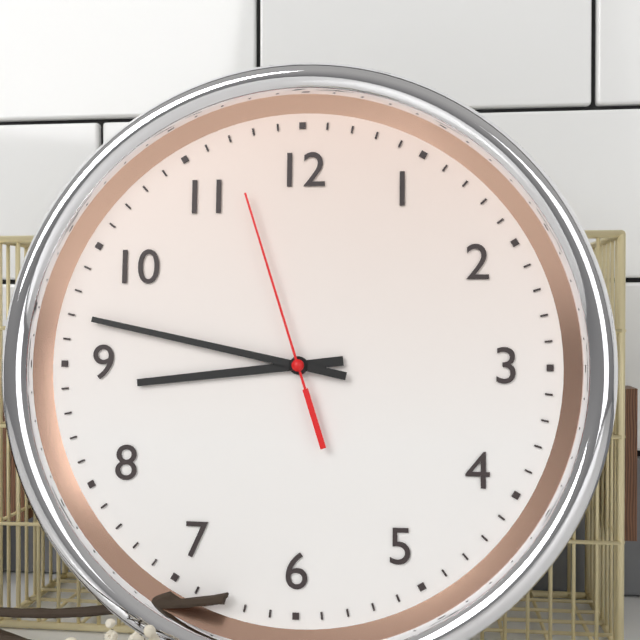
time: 8:47:57
